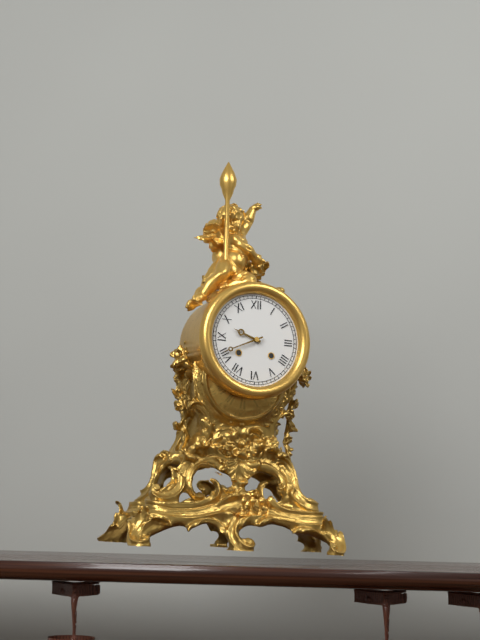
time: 9:41
